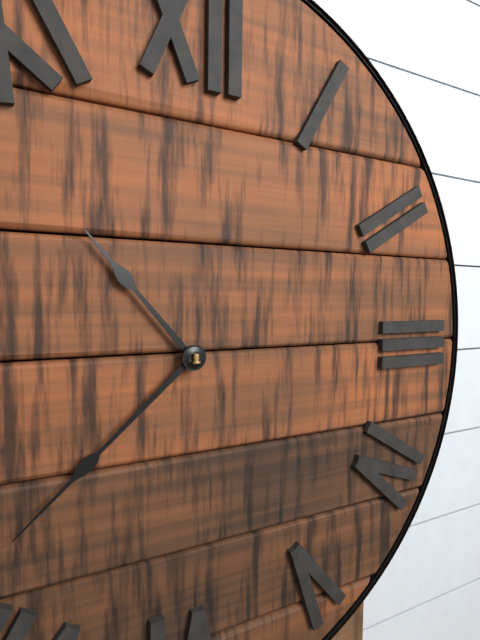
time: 10:38
